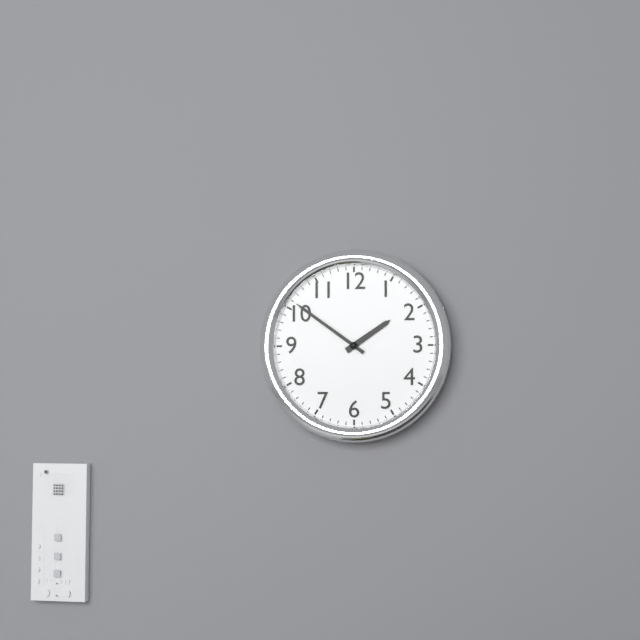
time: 1:51
